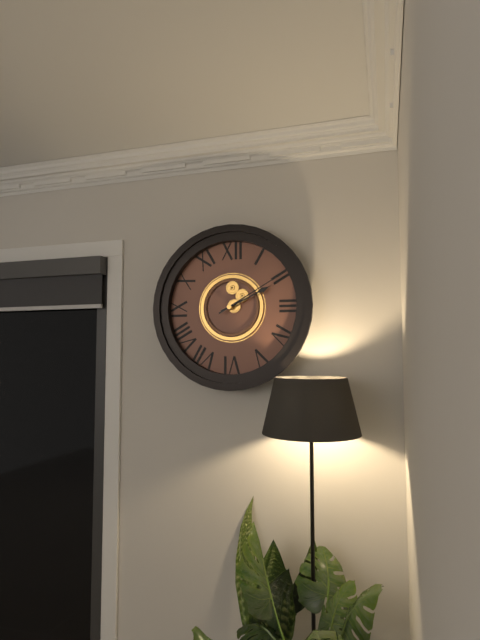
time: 2:10
